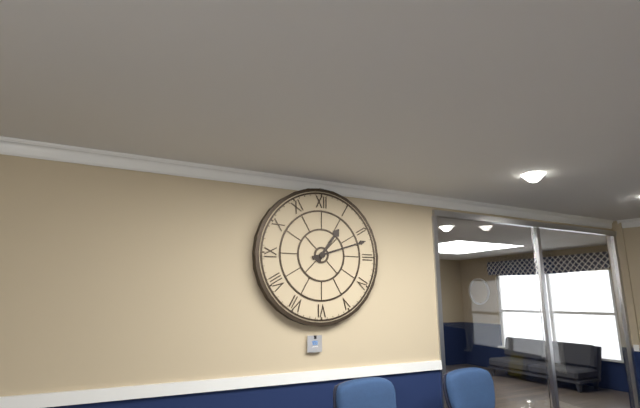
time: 1:12
